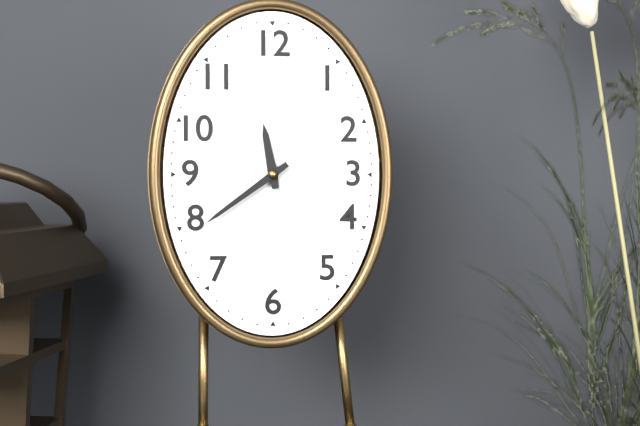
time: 11:39
